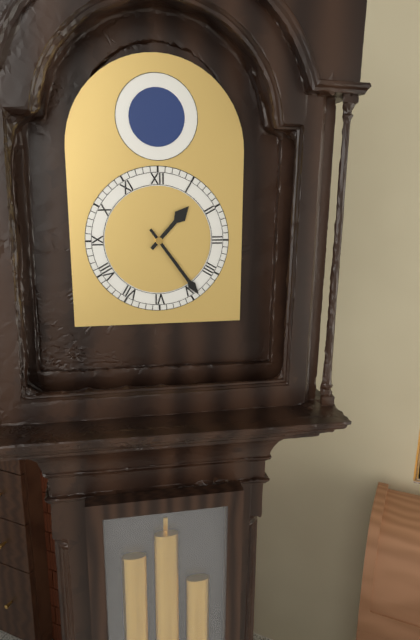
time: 1:24
